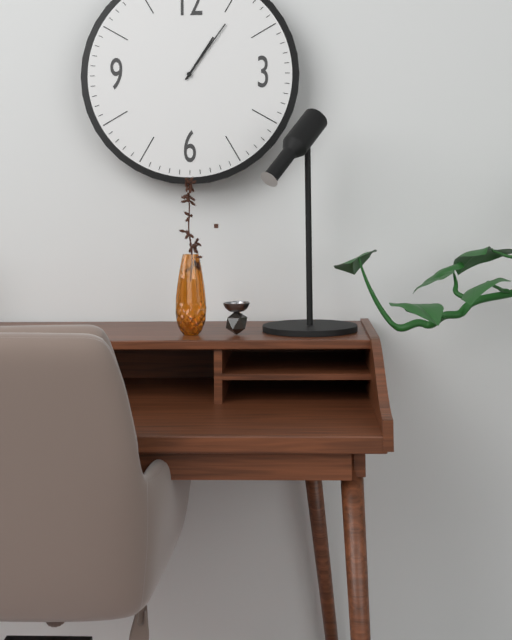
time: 1:06
